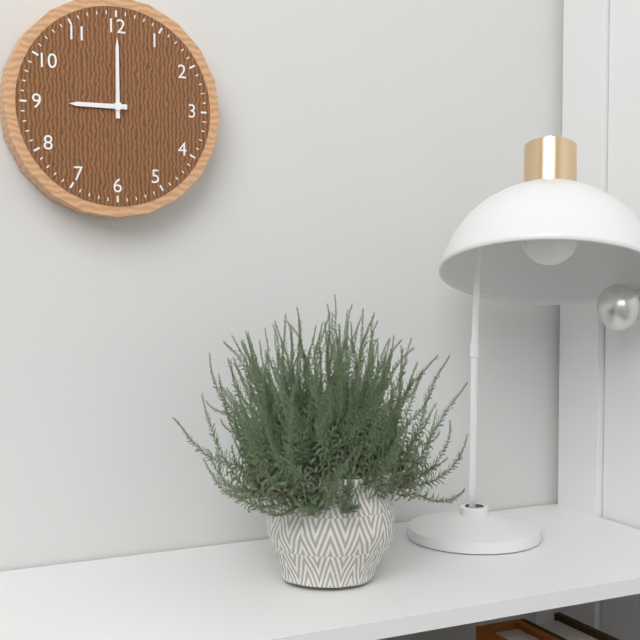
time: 9:00
